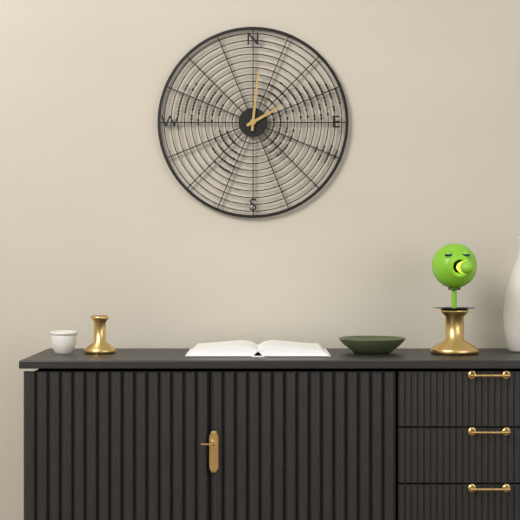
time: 2:01
